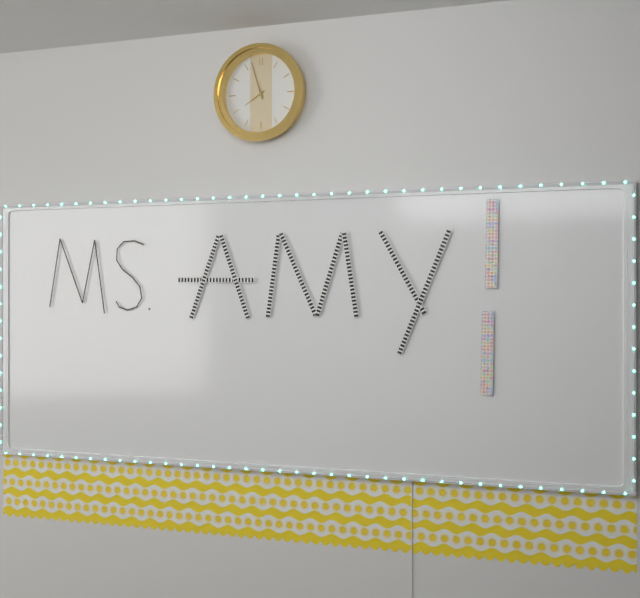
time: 7:57
